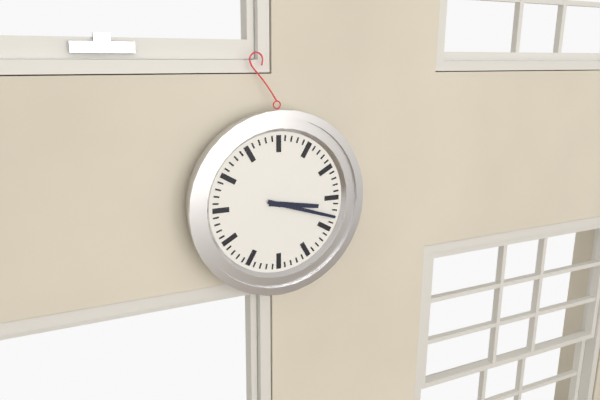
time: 3:18
